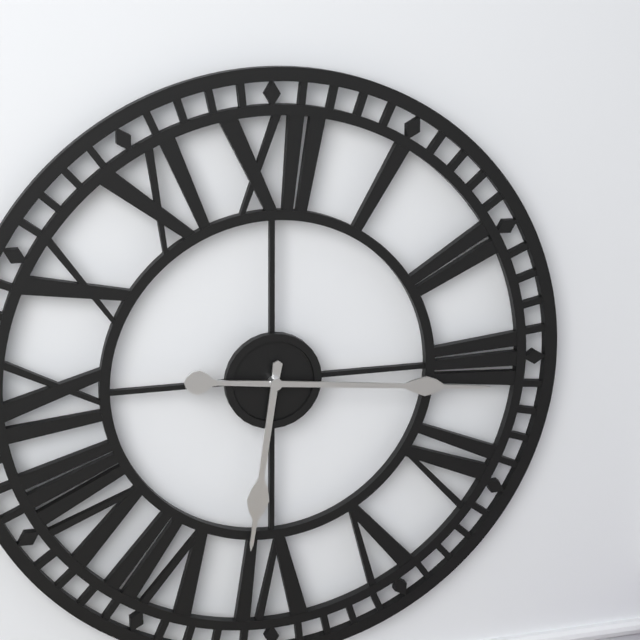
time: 6:16
